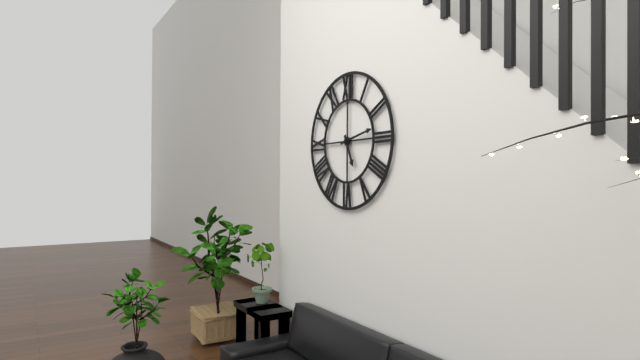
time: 5:13
